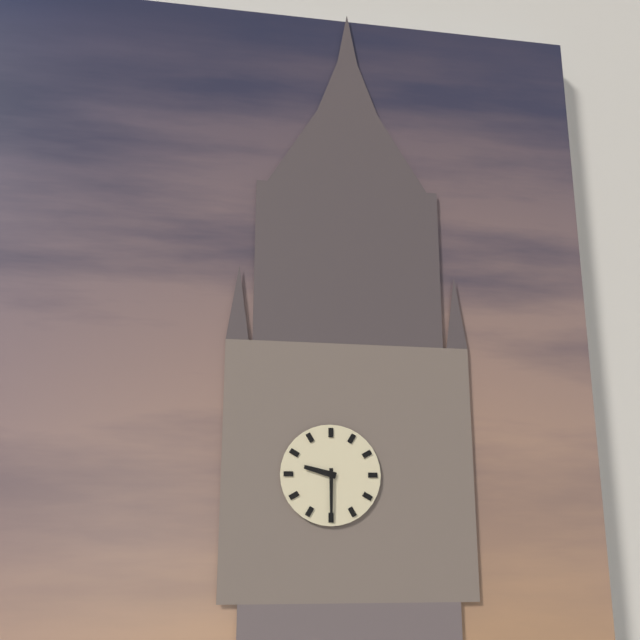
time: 9:30
